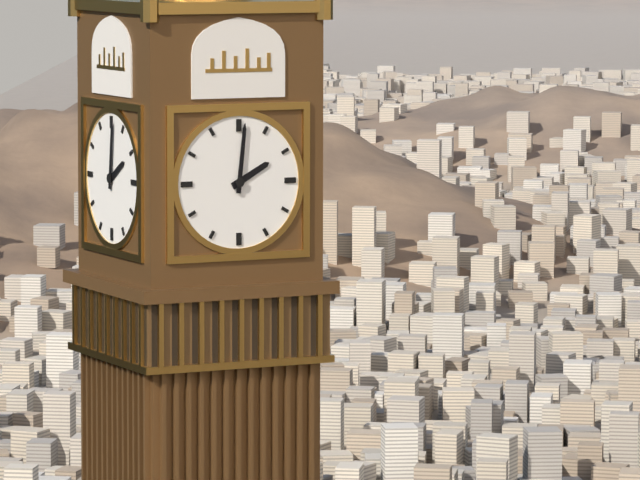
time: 2:01
